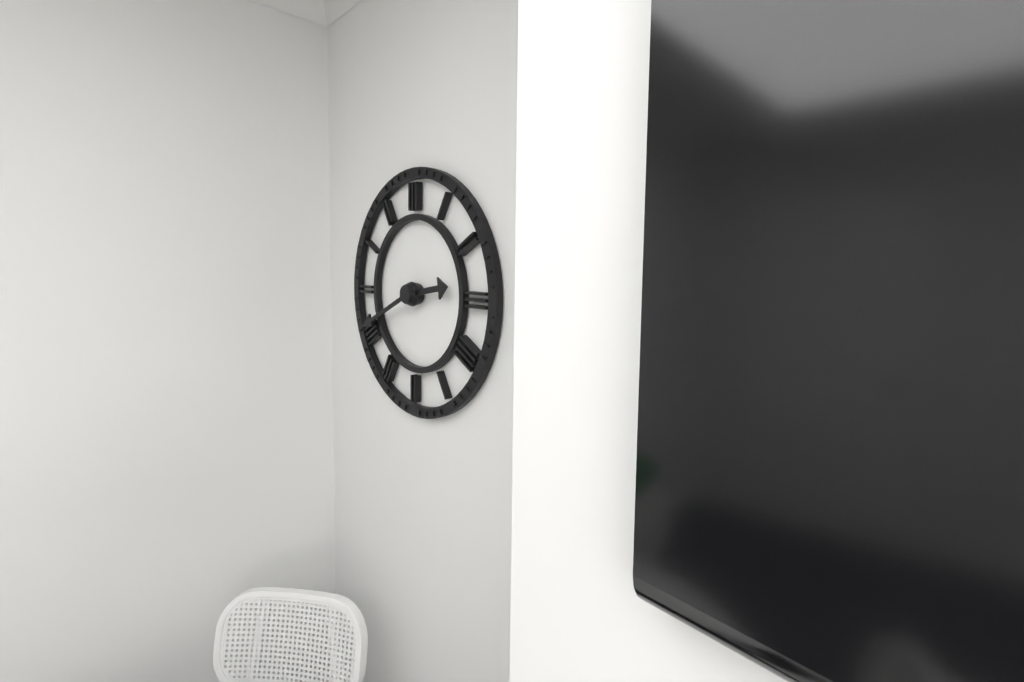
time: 2:41
